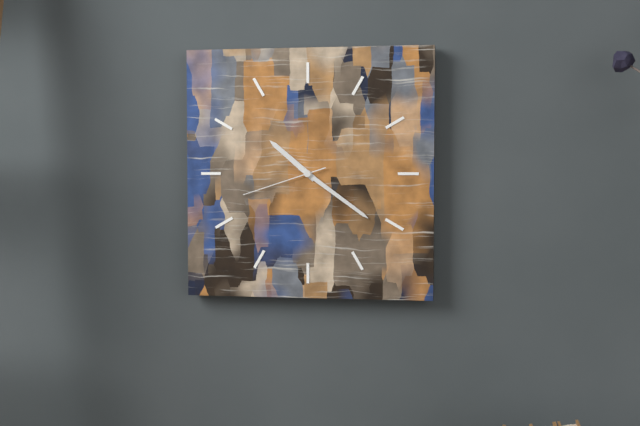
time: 10:21:42
